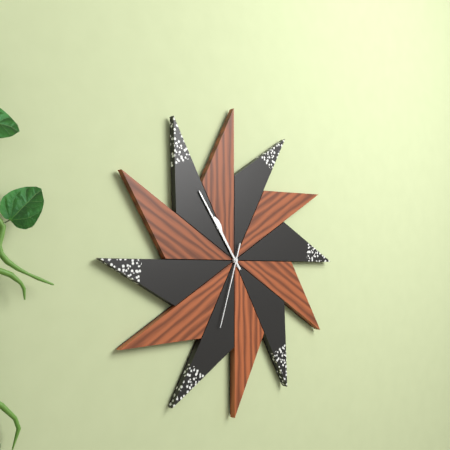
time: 10:54:33
